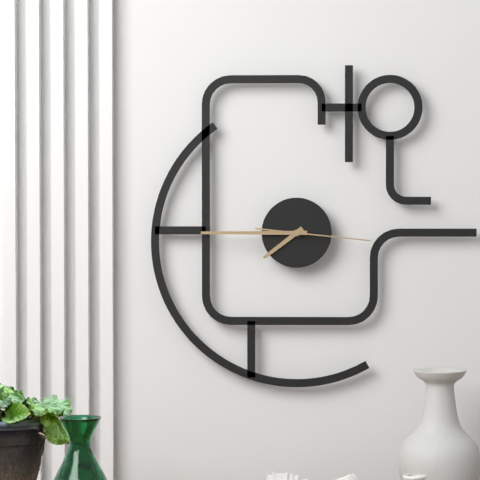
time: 7:45:16
